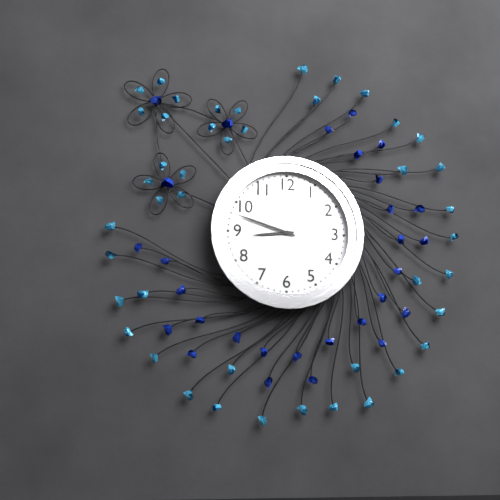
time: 8:48
